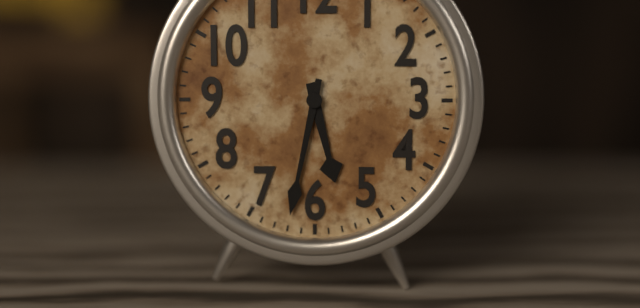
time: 5:32
